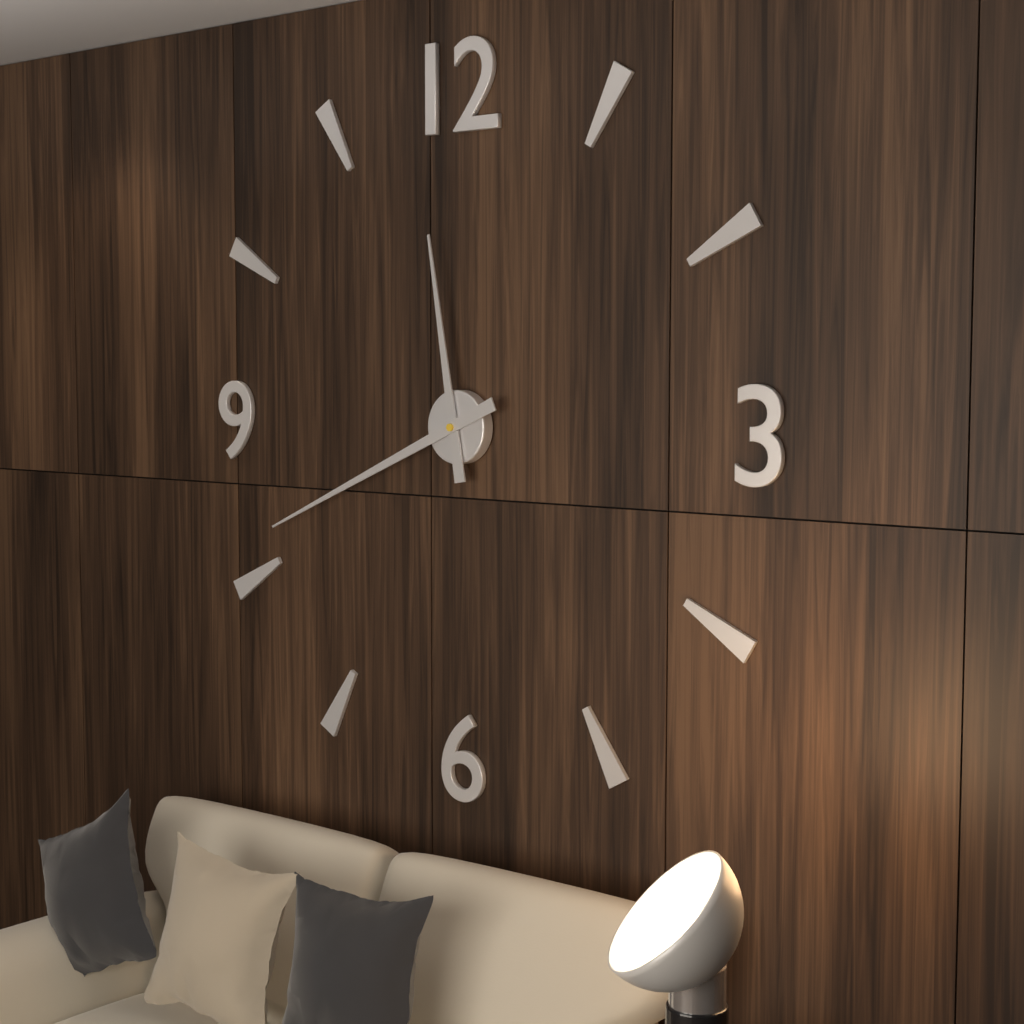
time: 11:41
